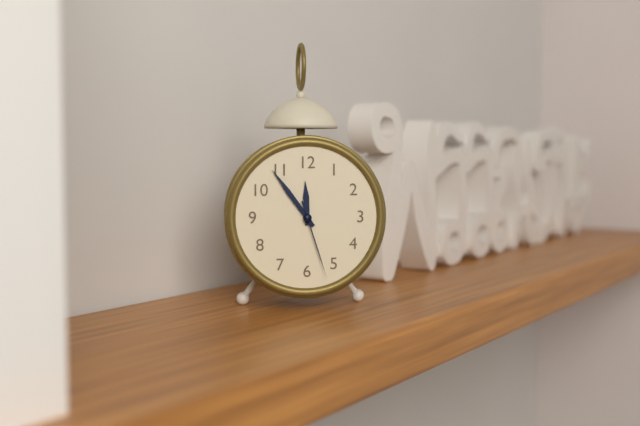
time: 11:54:27
